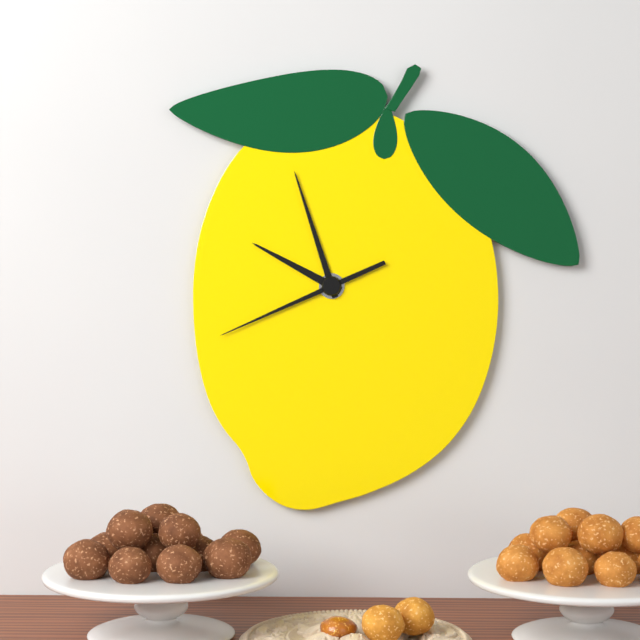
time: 9:57:41
